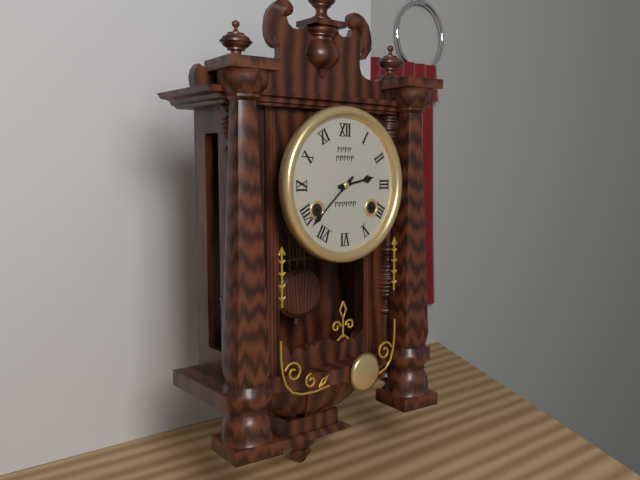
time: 2:38
